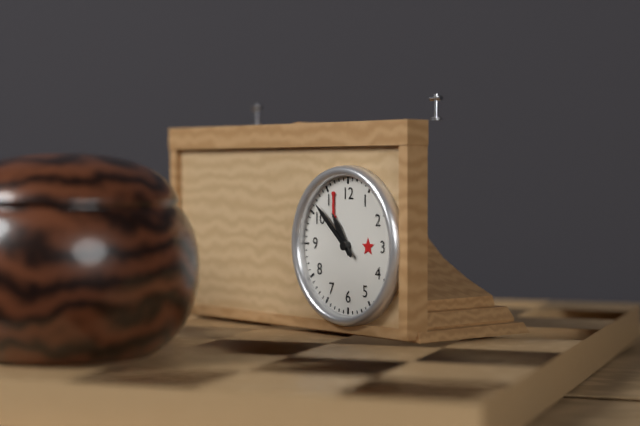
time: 10:52
